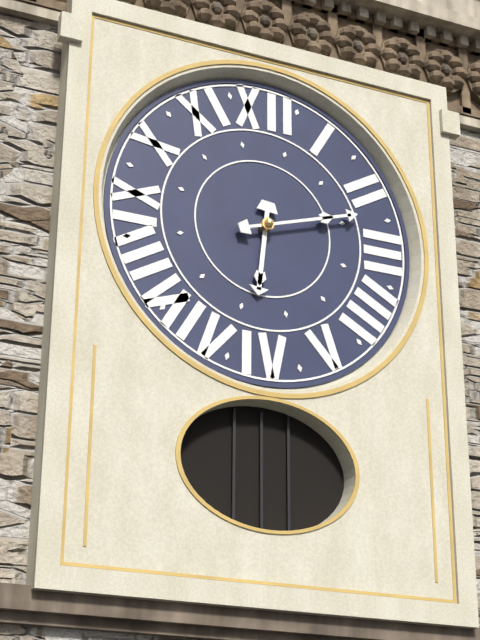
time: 6:12
